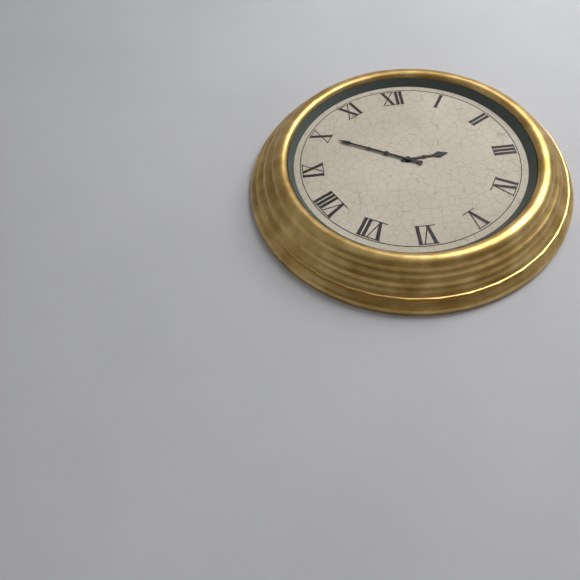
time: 2:50
